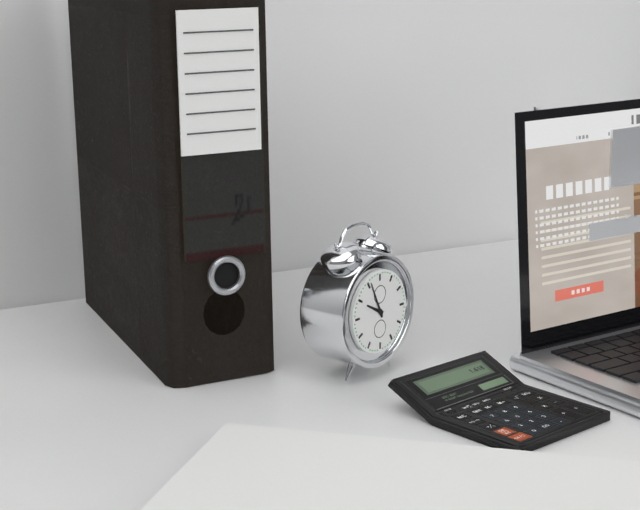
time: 9:56
